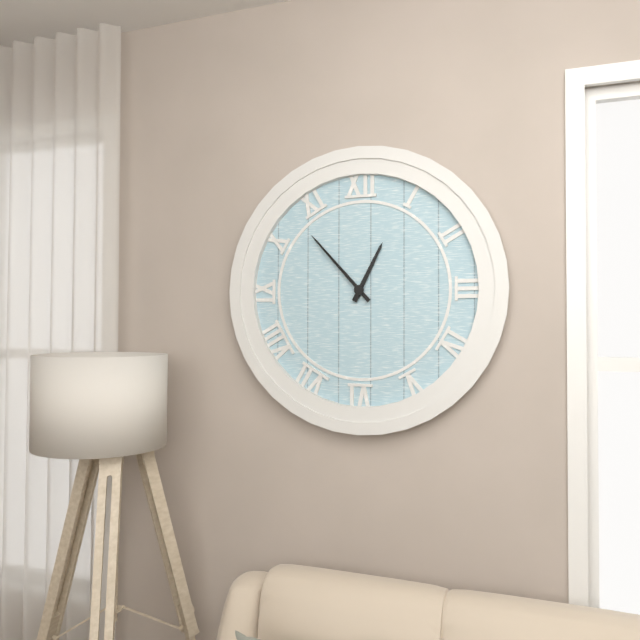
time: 12:53
